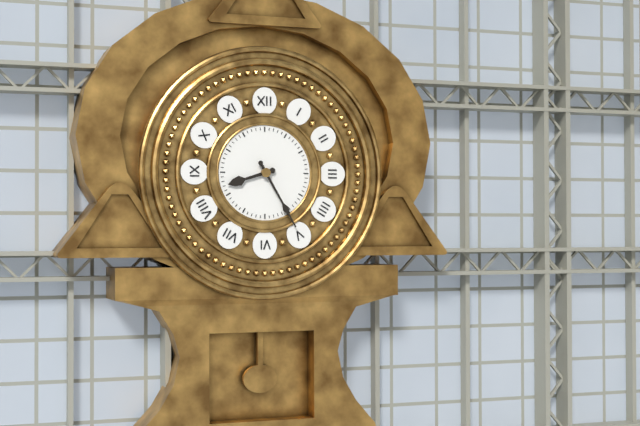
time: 8:25
